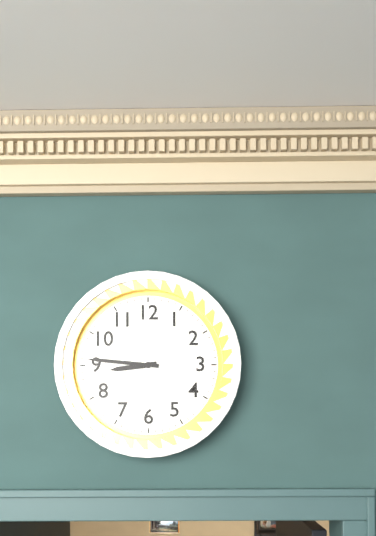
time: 8:46
